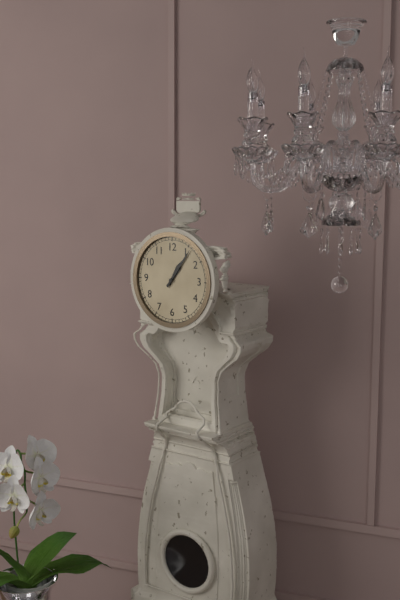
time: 1:06
